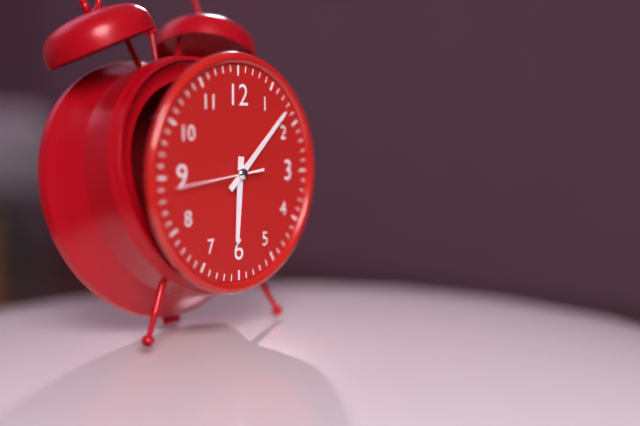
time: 6:08:44
